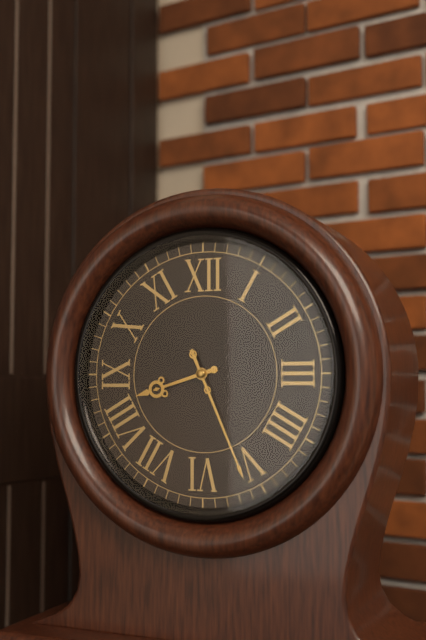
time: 8:26
